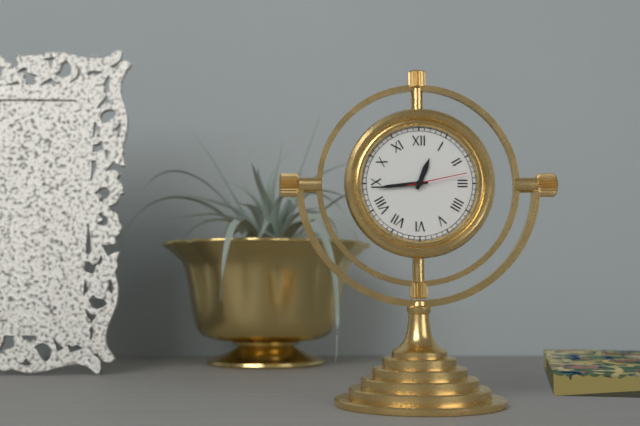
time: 12:44:13
